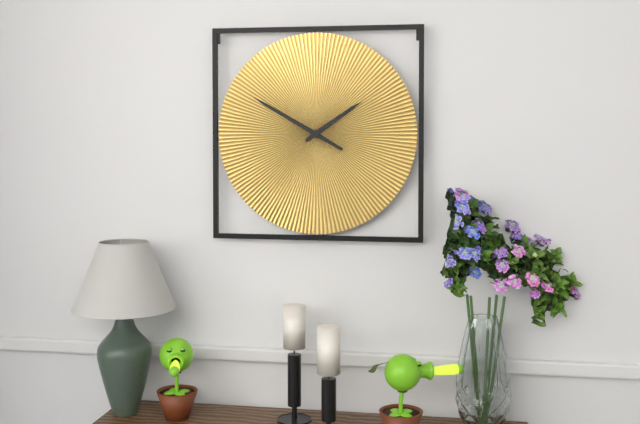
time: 1:50
